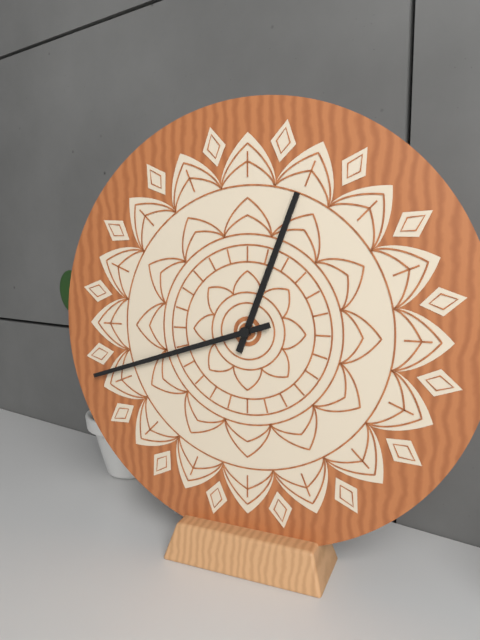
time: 12:42
